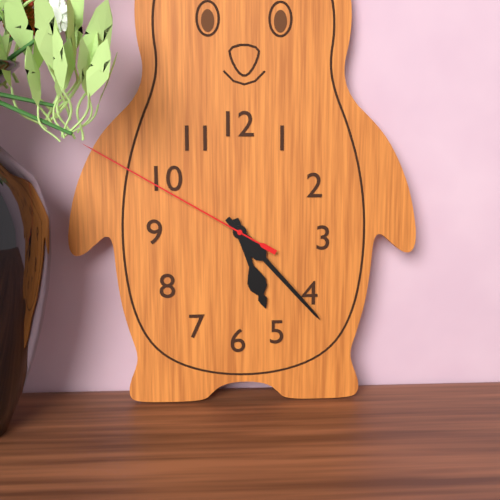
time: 5:23:50
